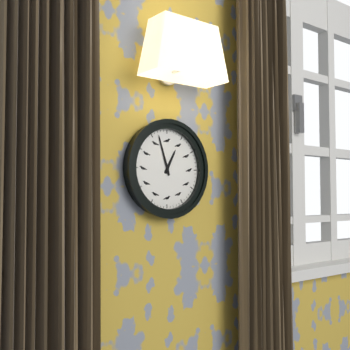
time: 12:57
